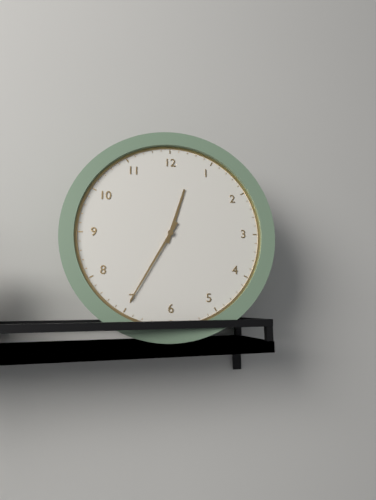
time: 12:35
